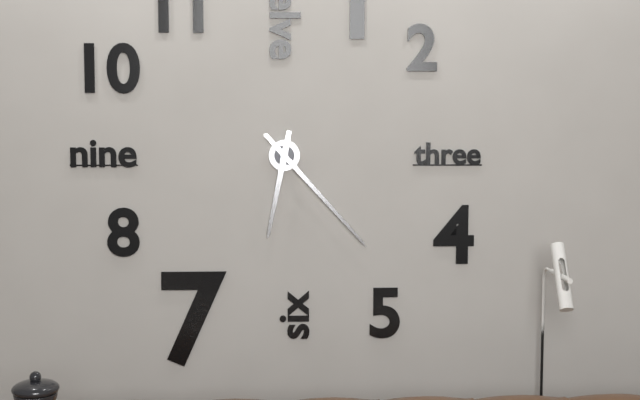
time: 6:23
